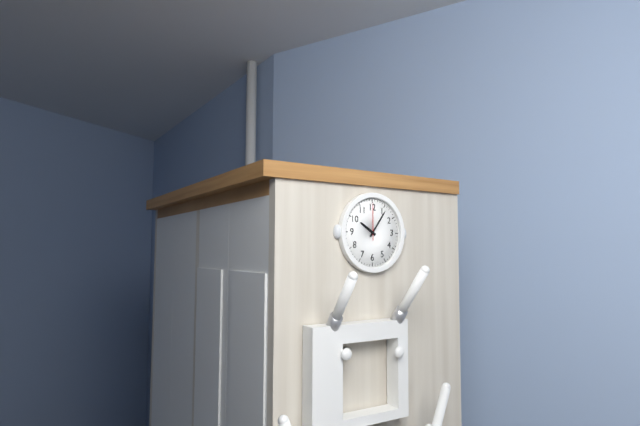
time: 10:06
